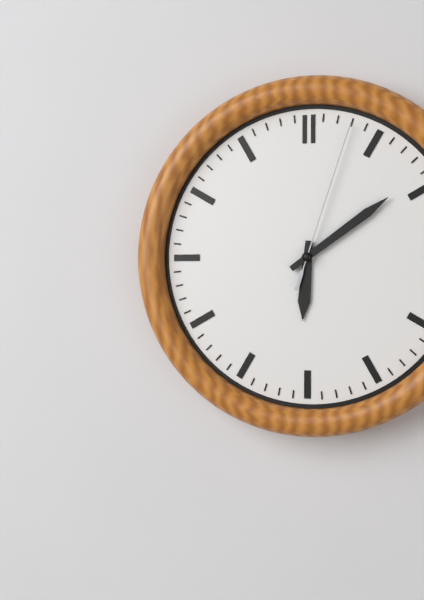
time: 6:09:03
